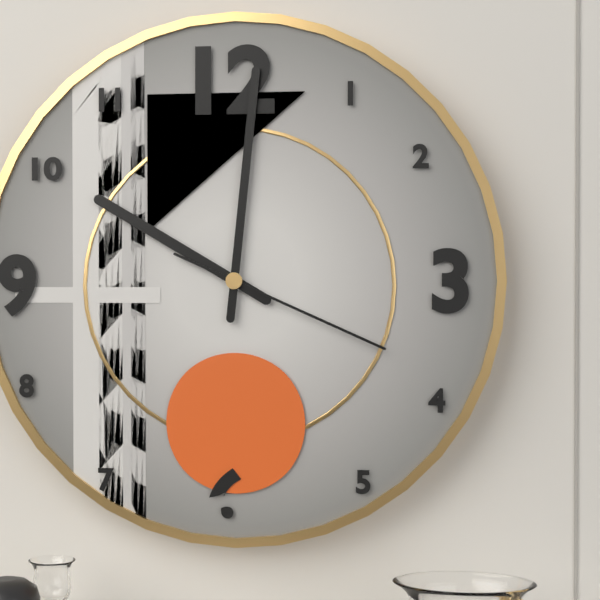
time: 10:01:19
